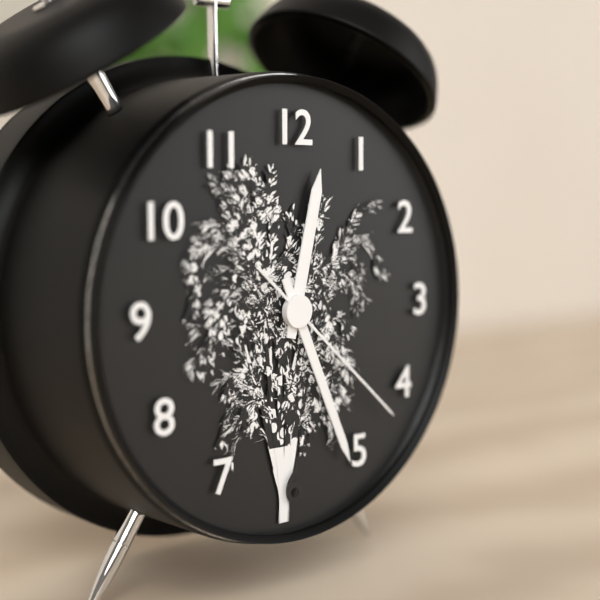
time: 12:26:22
